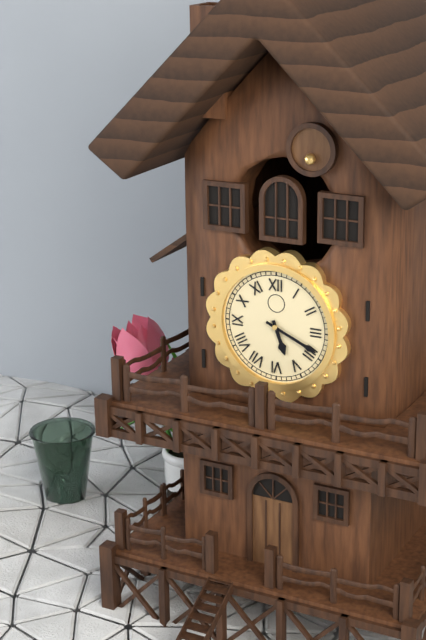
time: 5:19
